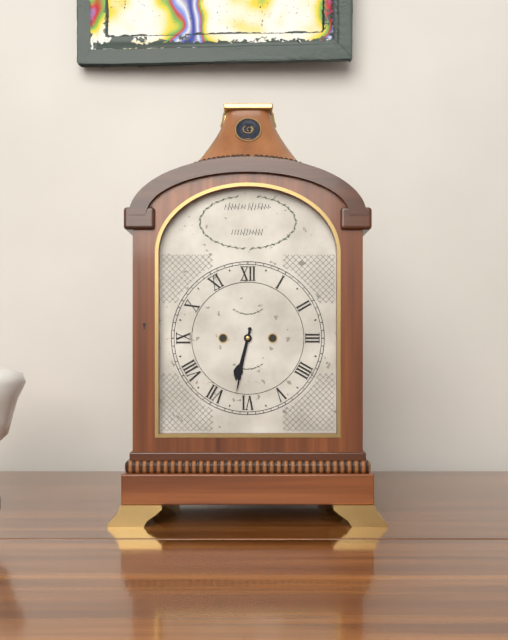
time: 6:32
